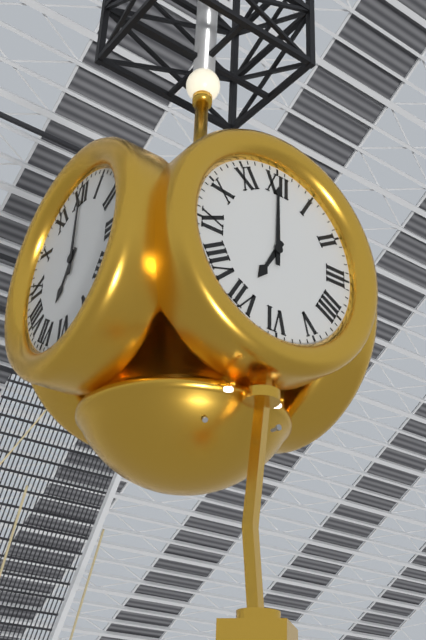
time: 7:00
